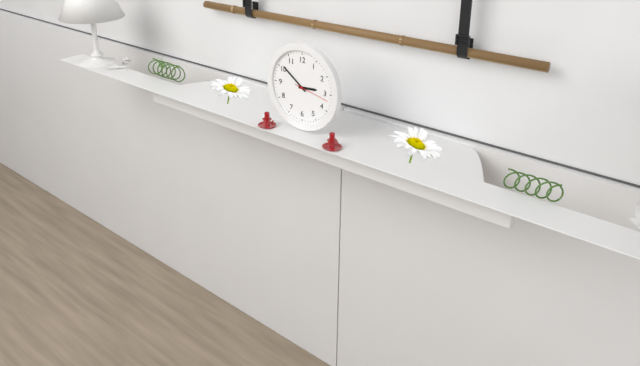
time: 2:51
